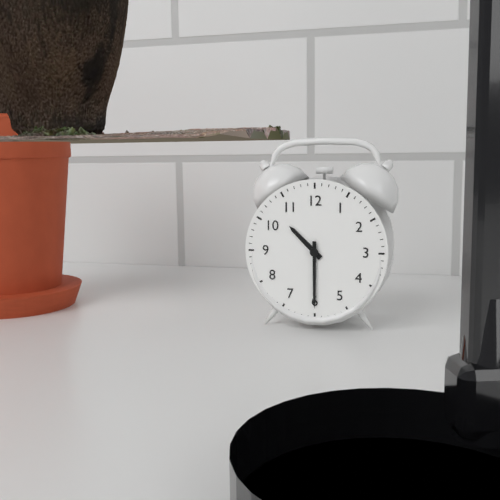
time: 10:30
